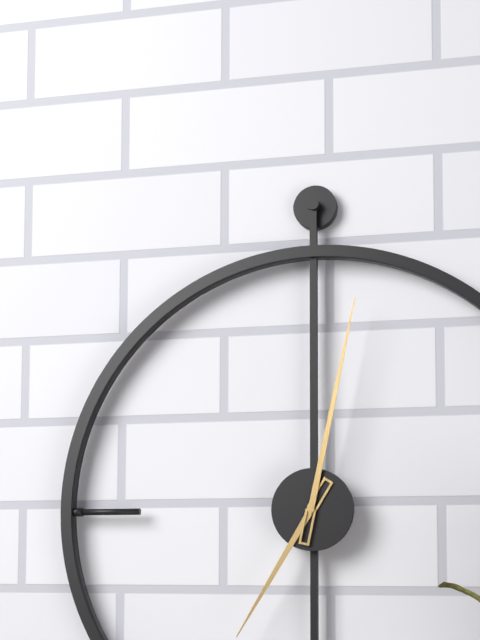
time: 7:02
